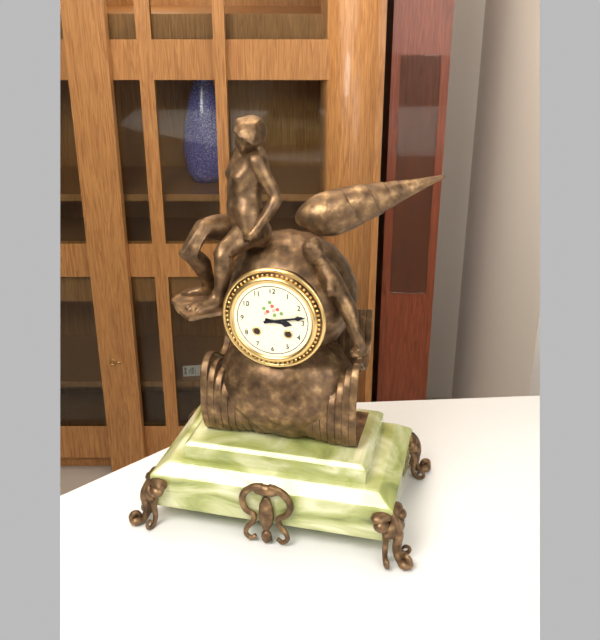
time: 3:13
